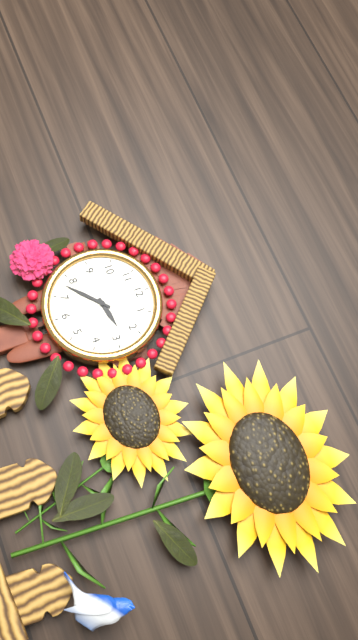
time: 2:38
